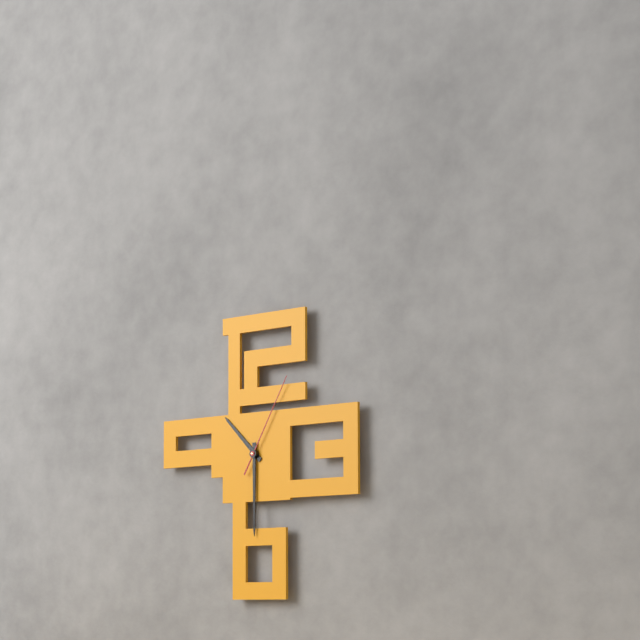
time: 10:30:05
